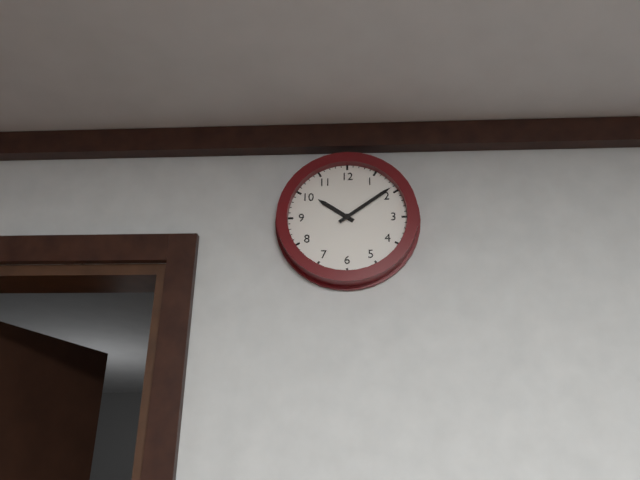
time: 10:09
